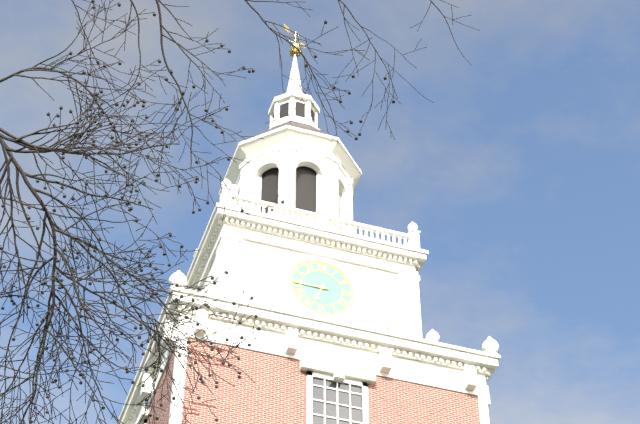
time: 6:45
